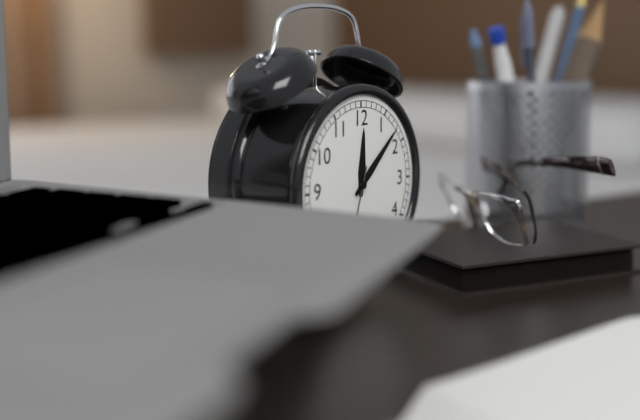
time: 12:08
